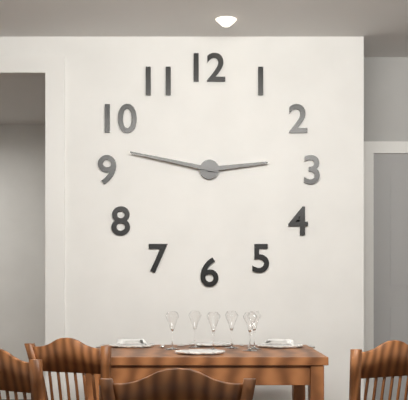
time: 2:47
